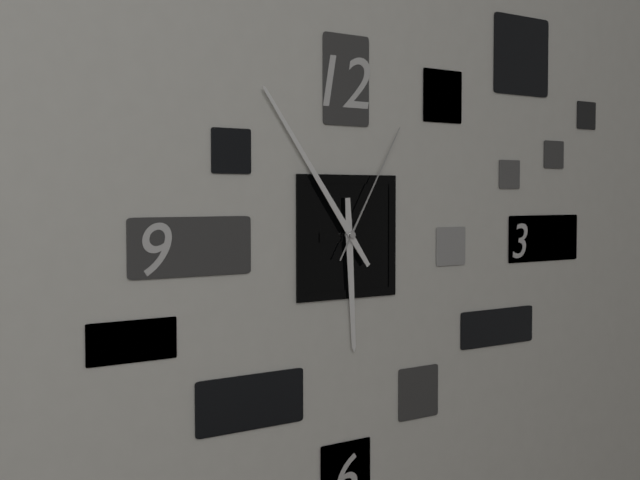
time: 5:54:05
